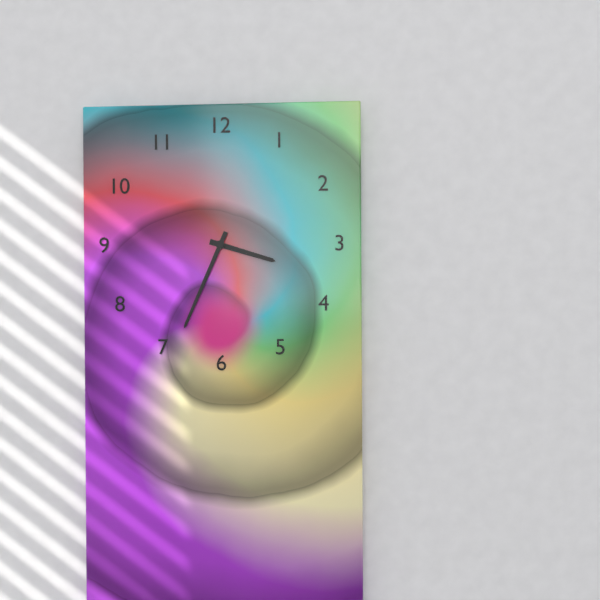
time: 3:34
